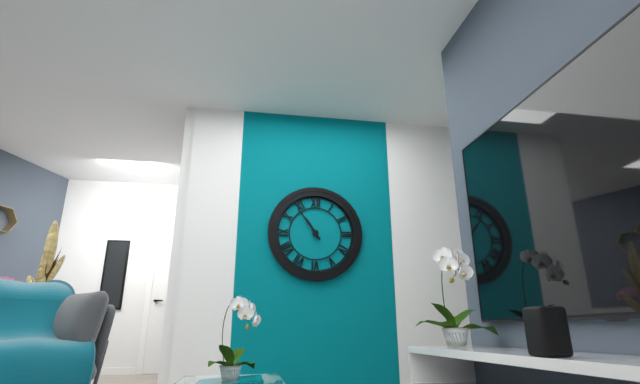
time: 10:54
